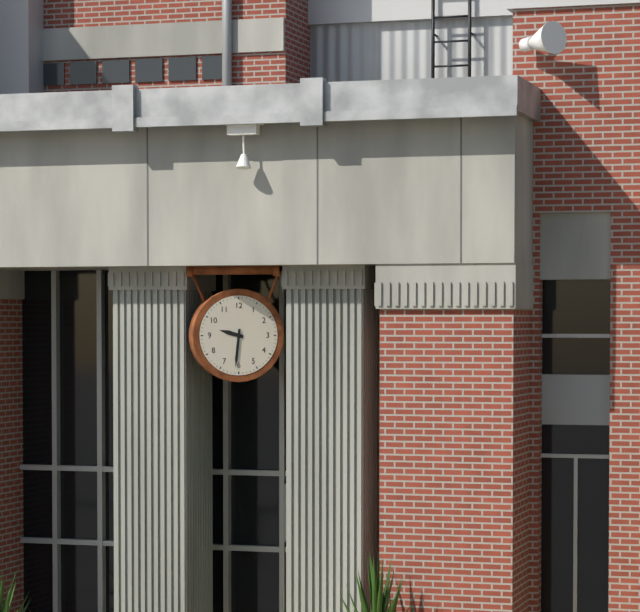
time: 9:31
